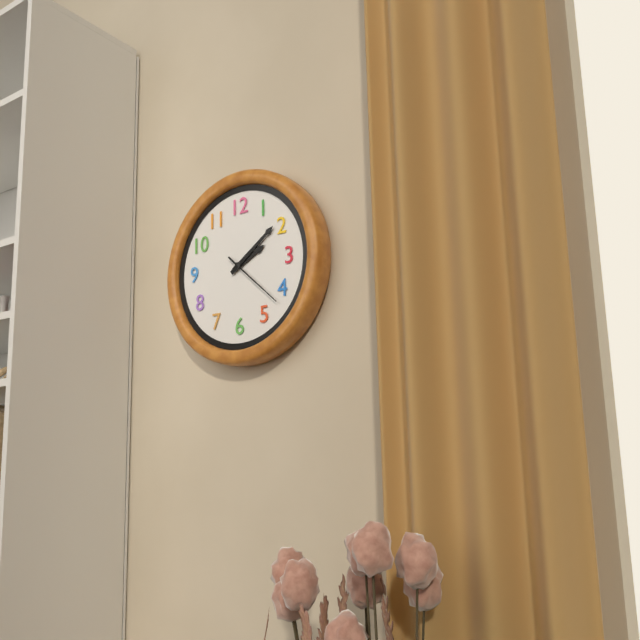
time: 2:09
